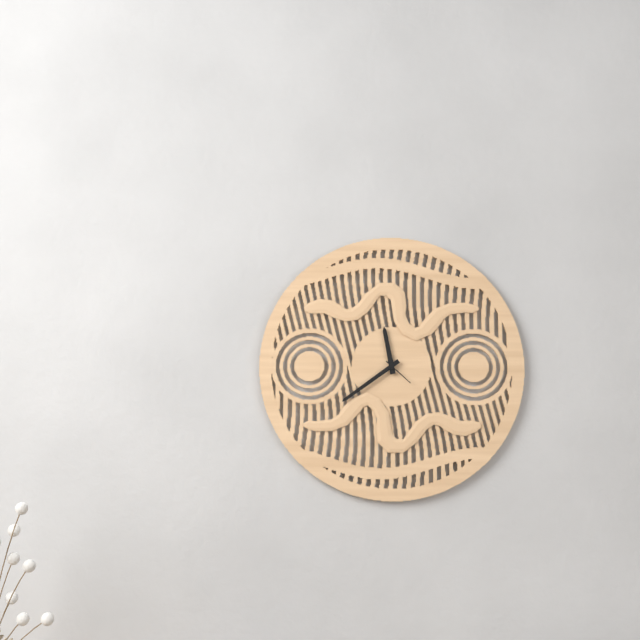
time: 11:39
